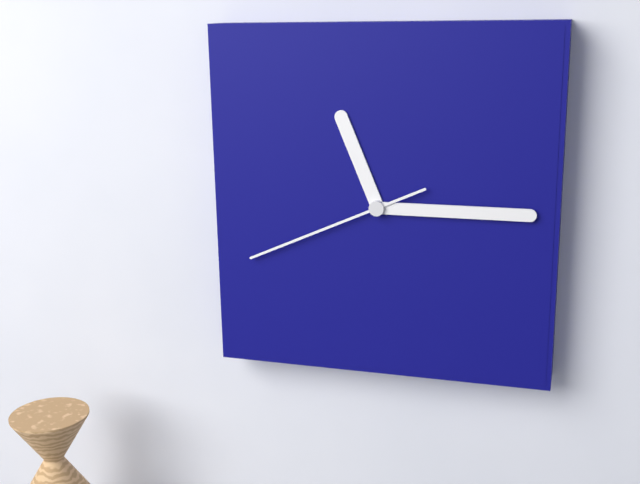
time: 11:15:41
